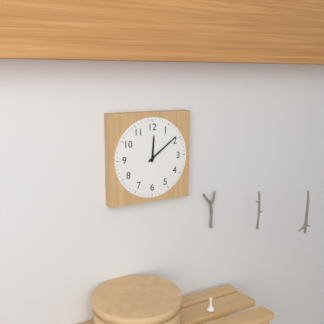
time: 12:09
